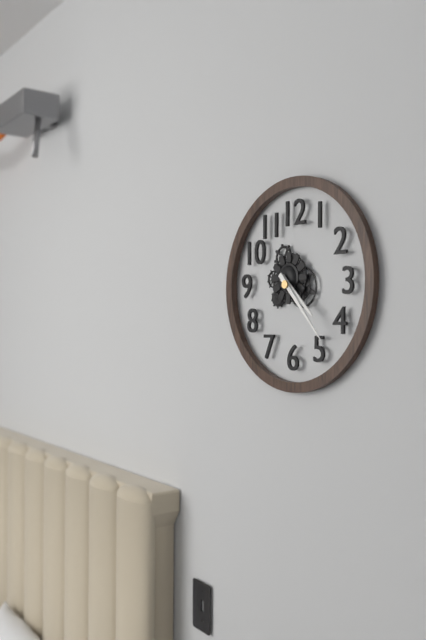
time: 4:23
